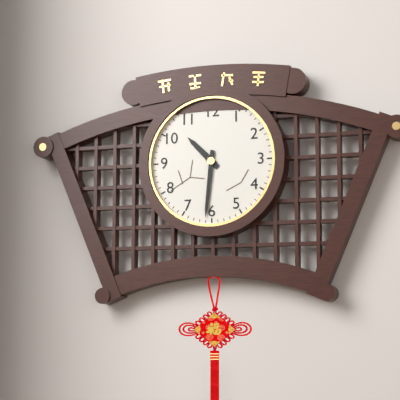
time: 10:31
